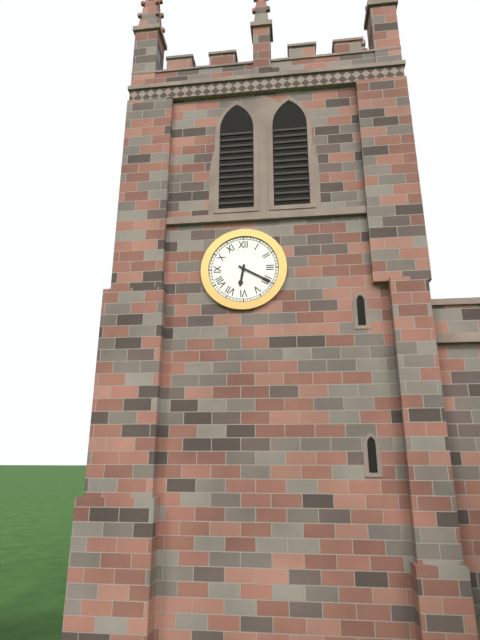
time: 6:20
